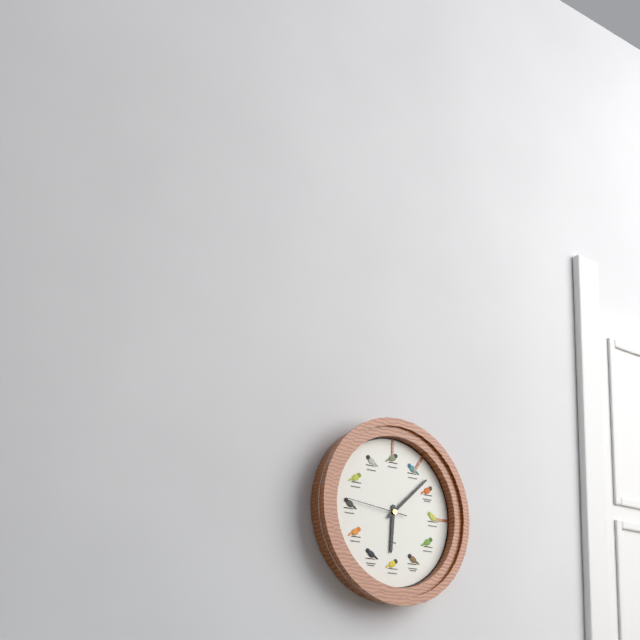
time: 6:08:46
